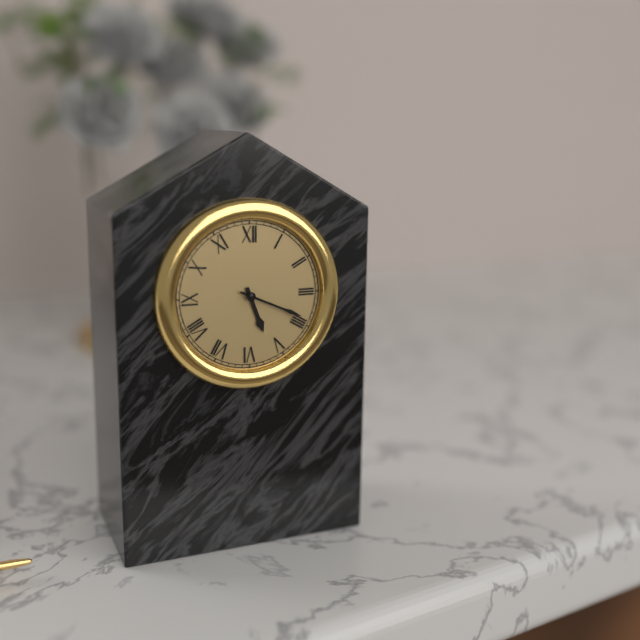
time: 5:19
